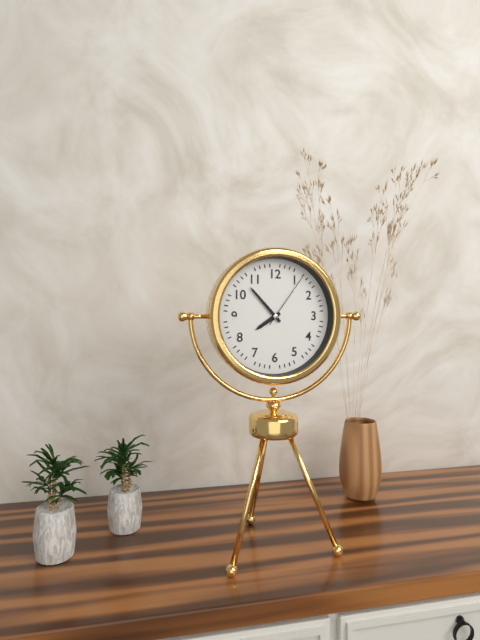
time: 7:53:06
